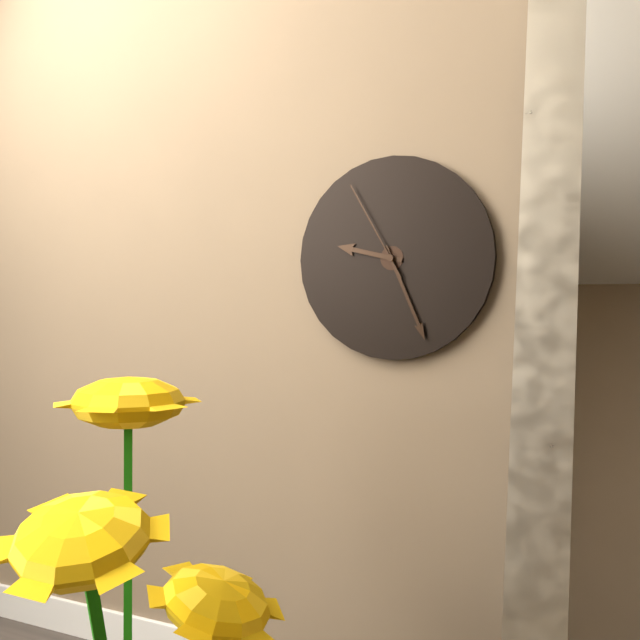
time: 9:26:55
